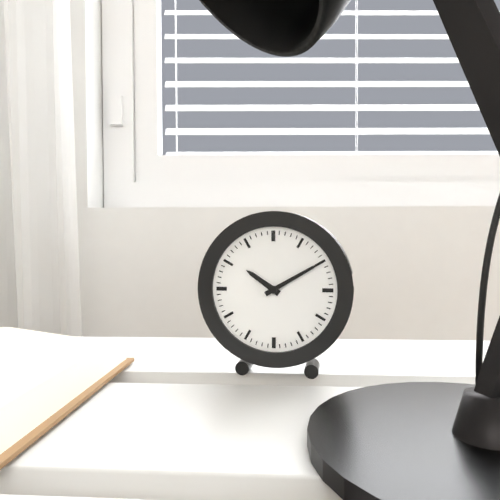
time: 10:10
